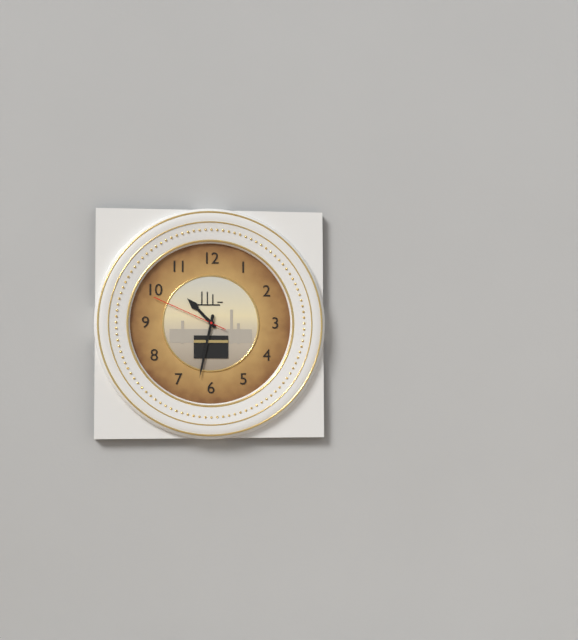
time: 10:32:49
